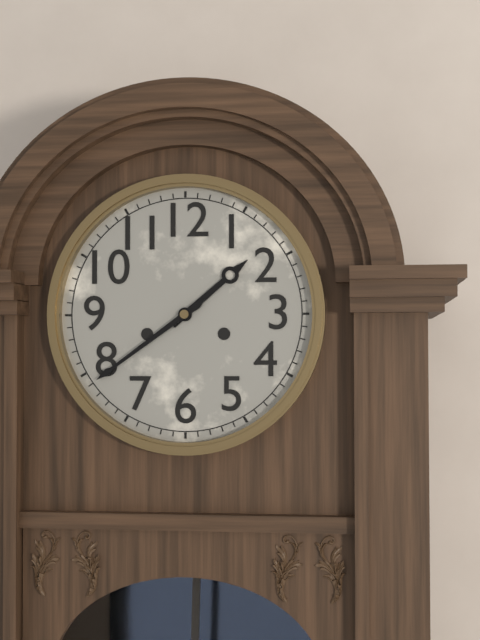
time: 1:39
